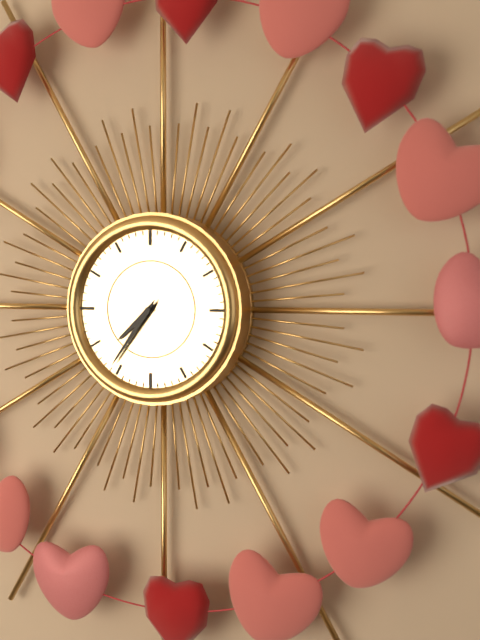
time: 7:36
